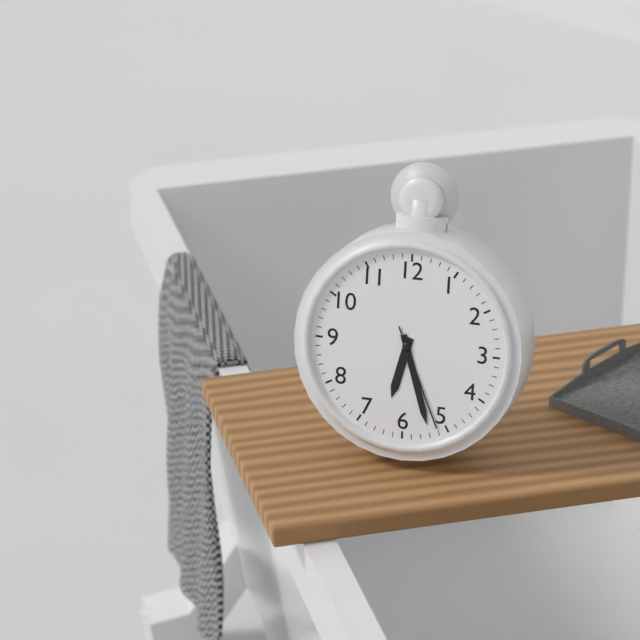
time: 6:27:26
